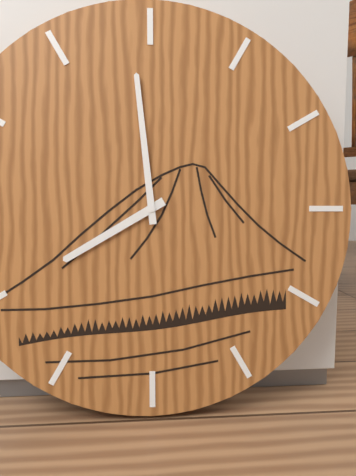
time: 7:59
